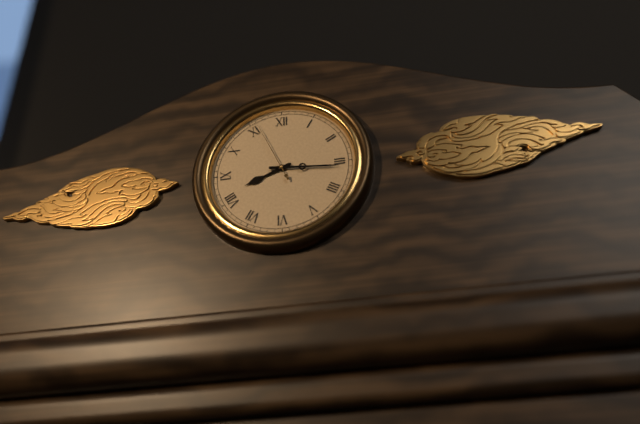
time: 8:16:56
